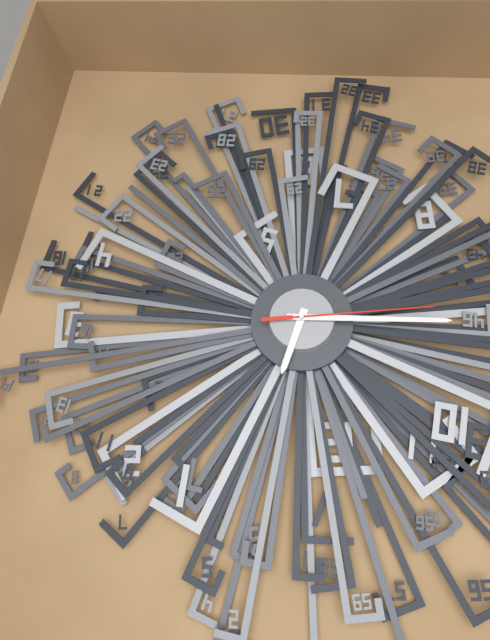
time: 12:46:45
